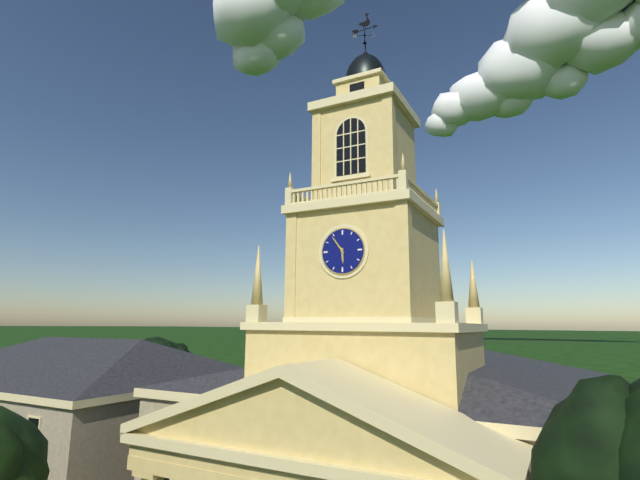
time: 5:54
